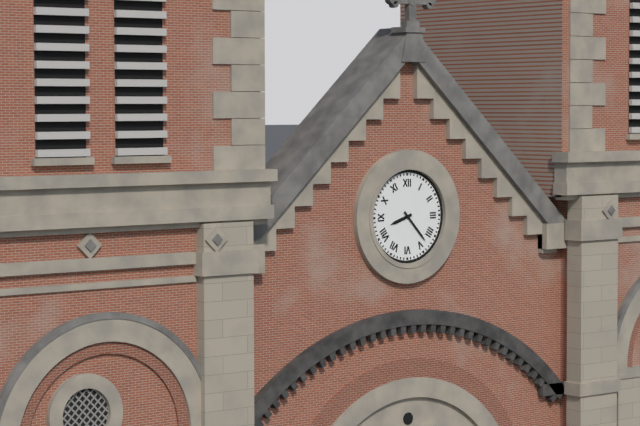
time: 8:23
